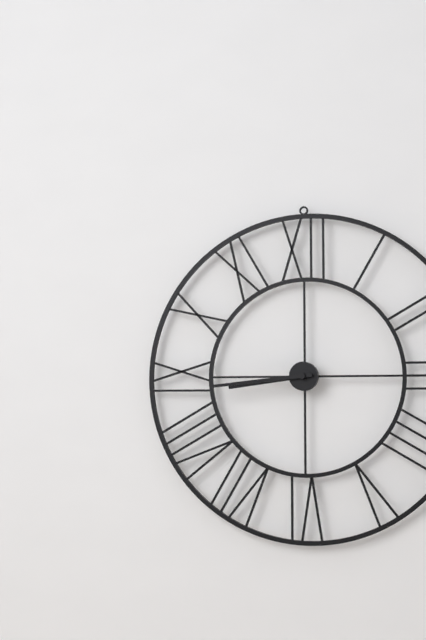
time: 8:44
